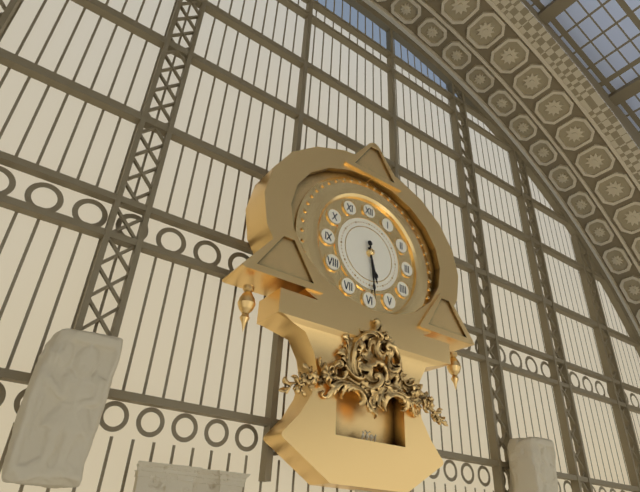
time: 5:29
